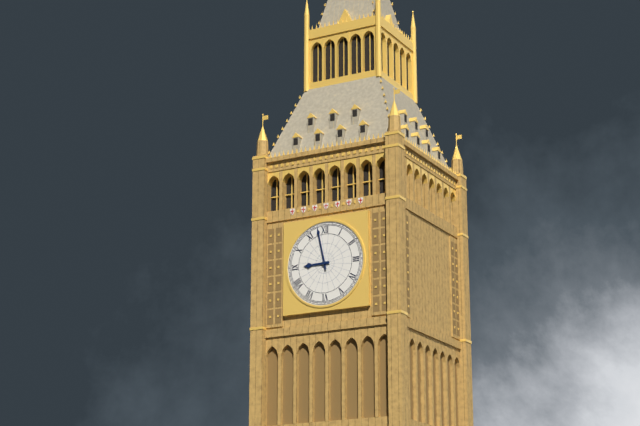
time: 8:58
